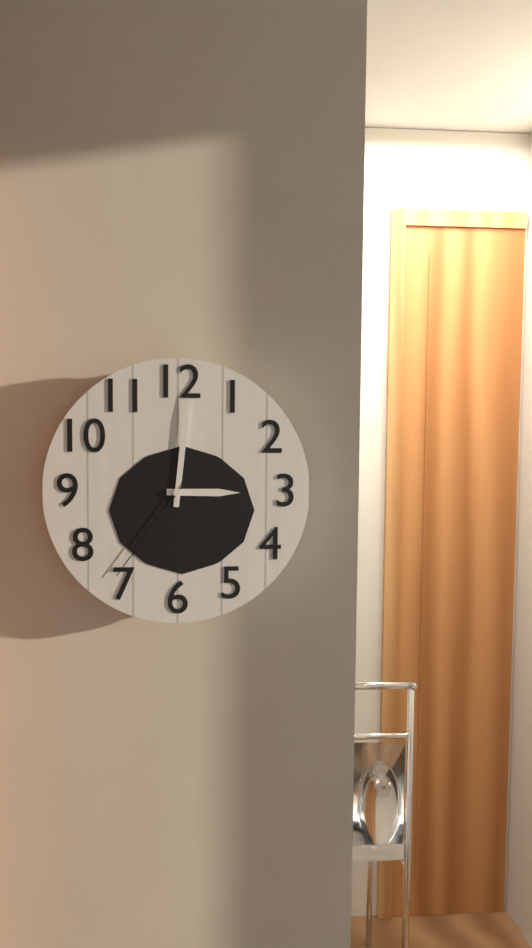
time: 3:01:36
